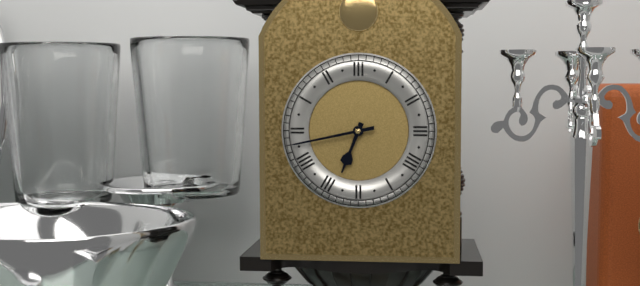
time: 6:43
